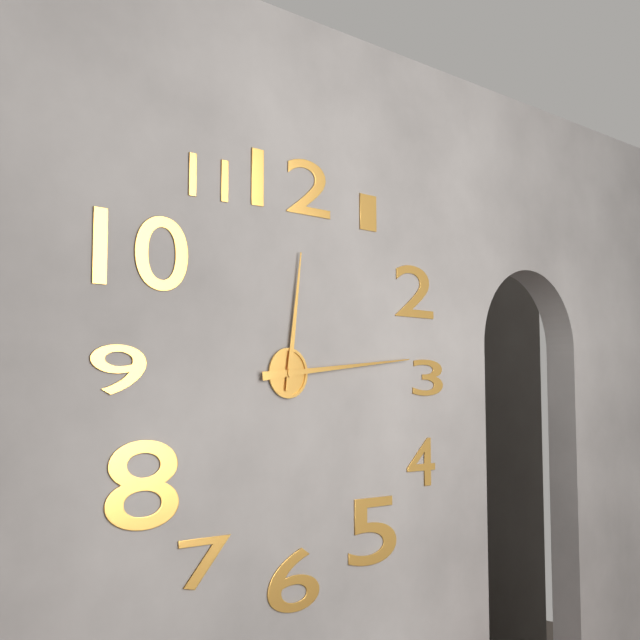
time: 12:14
